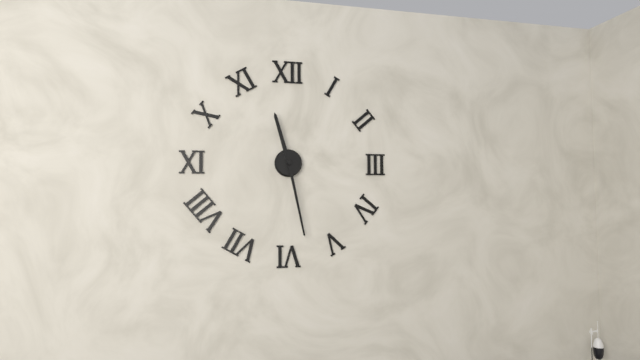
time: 11:28
